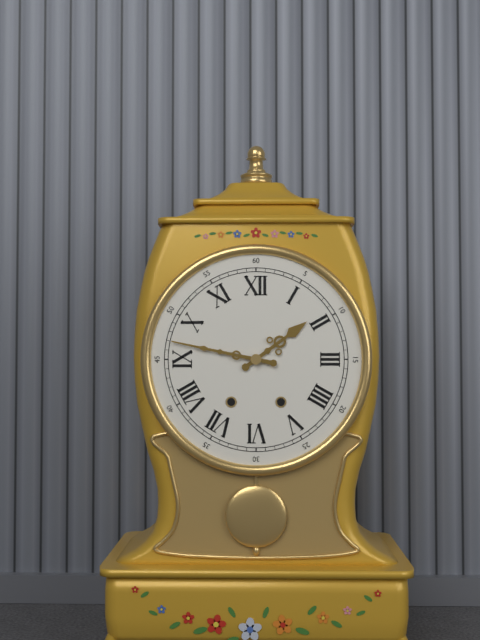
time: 1:47
